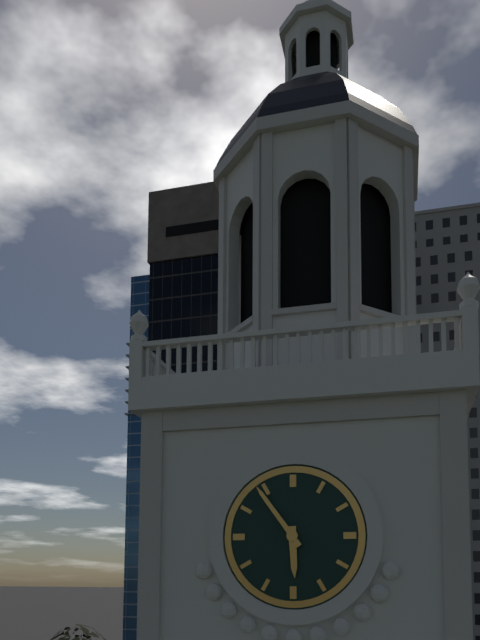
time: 5:54
